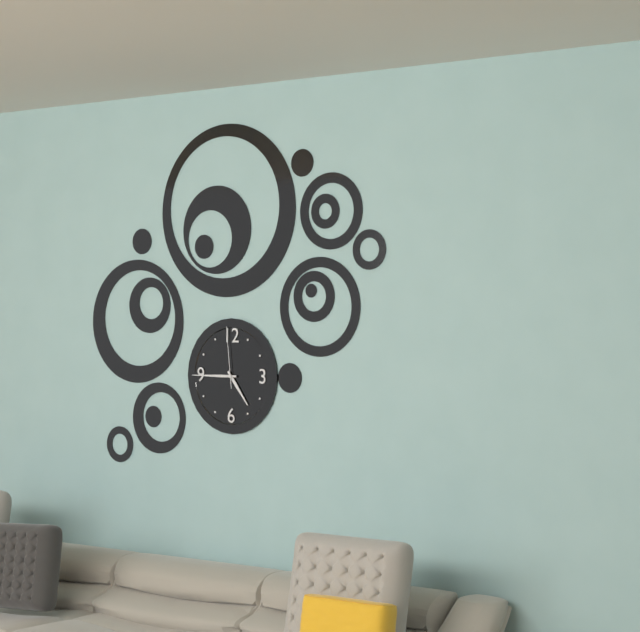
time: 4:45:59
